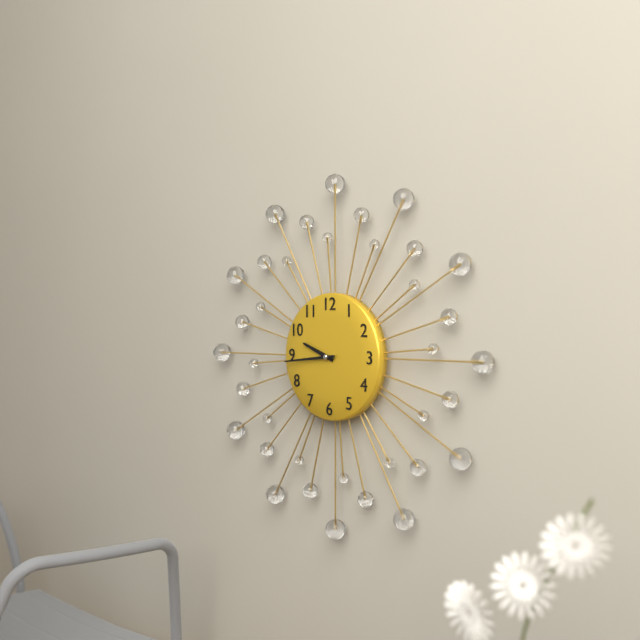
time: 9:44
